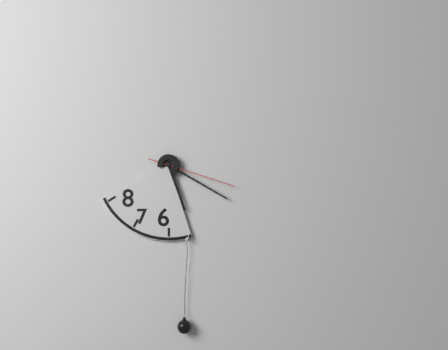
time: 5:20:18
